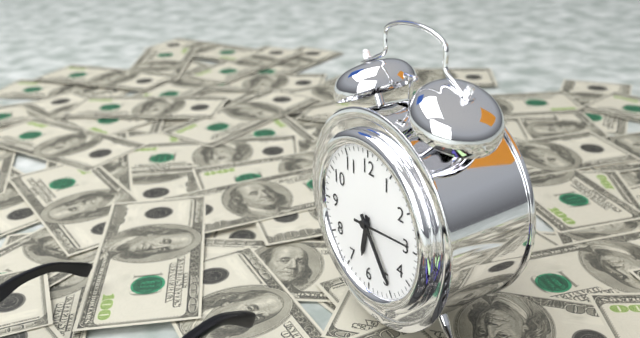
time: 6:24:14
